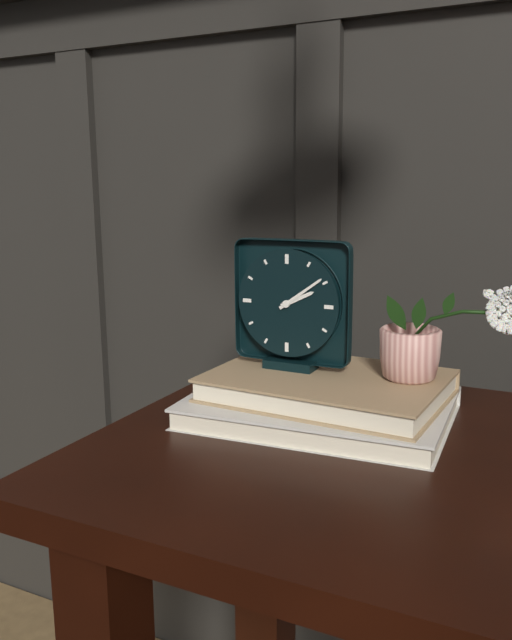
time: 2:09
